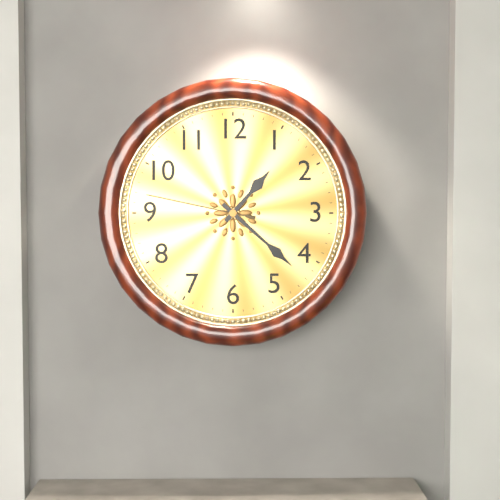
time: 1:22:47
